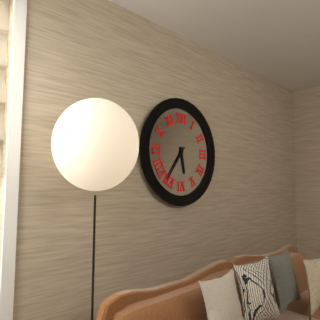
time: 5:36
